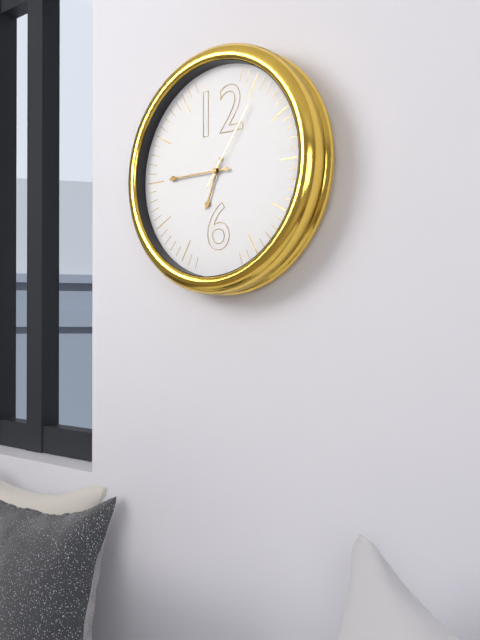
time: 6:45:06
